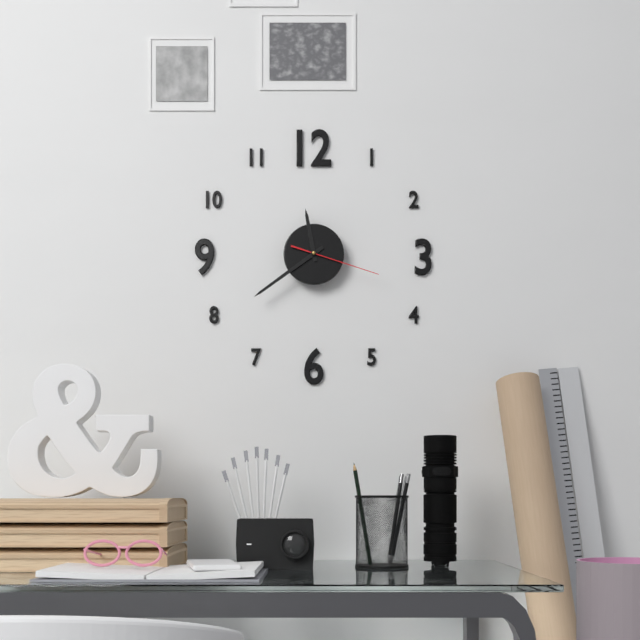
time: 11:39:18
